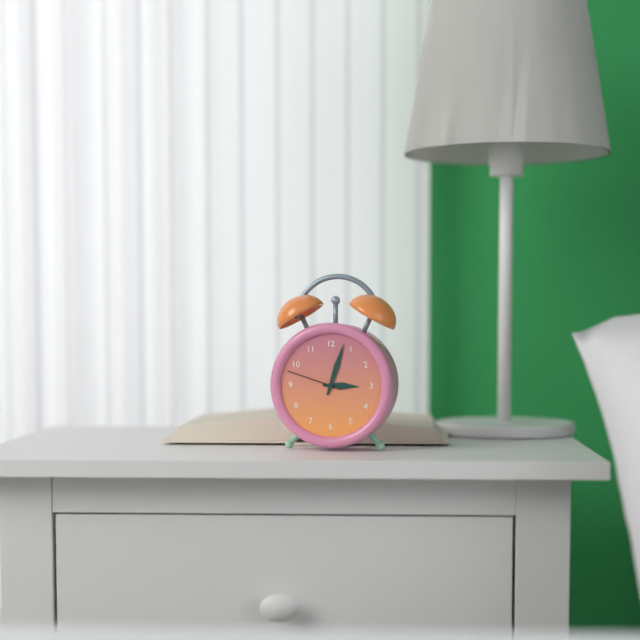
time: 3:03:48
